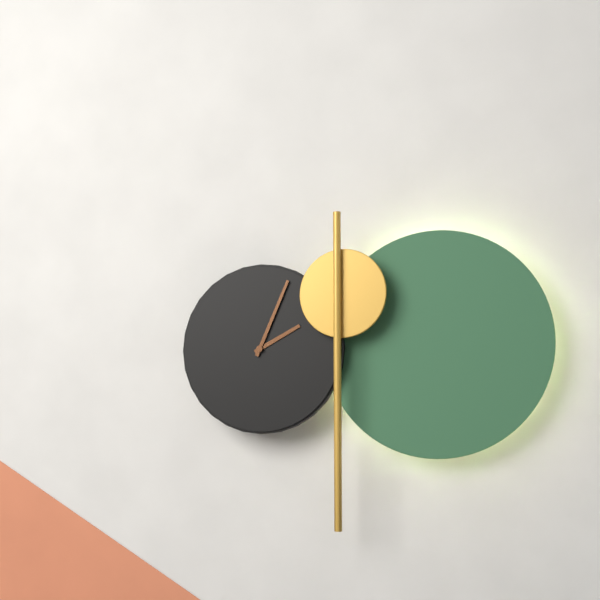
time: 2:04
